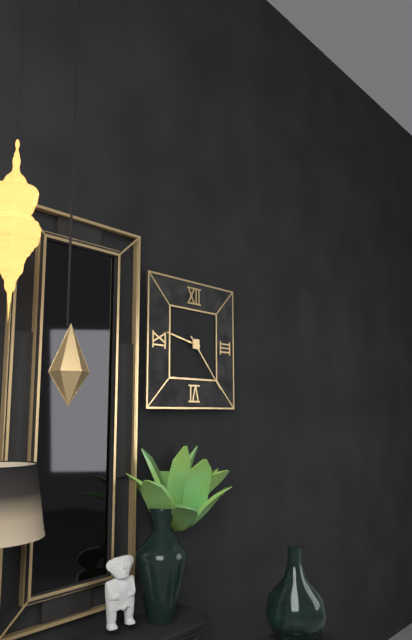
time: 9:23
